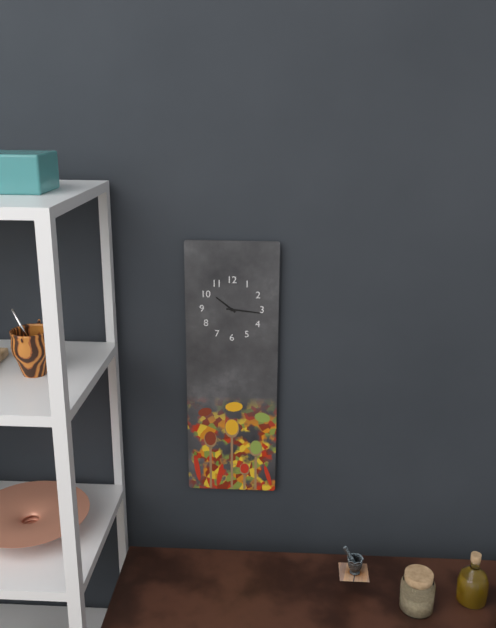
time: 10:16
